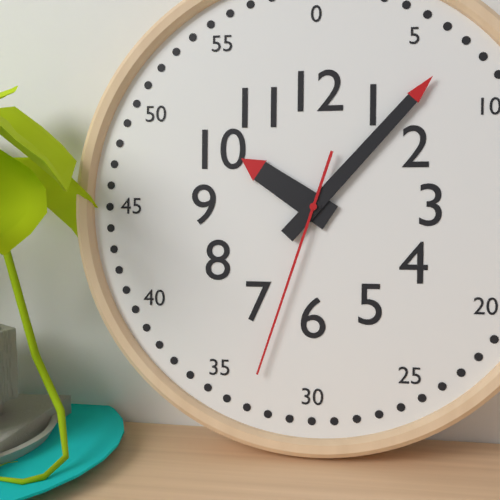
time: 10:07:33
